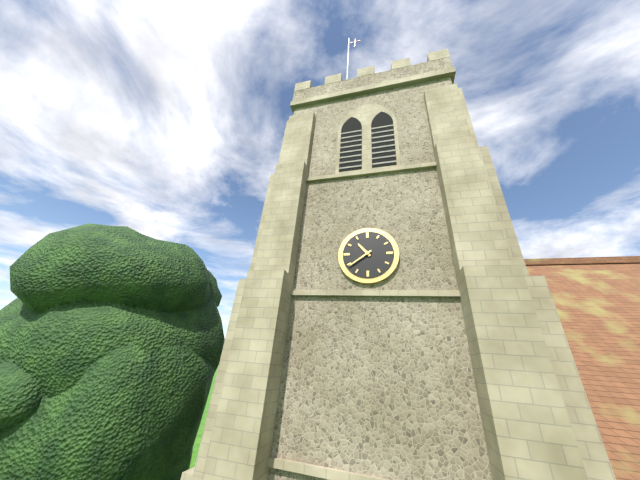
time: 10:39
